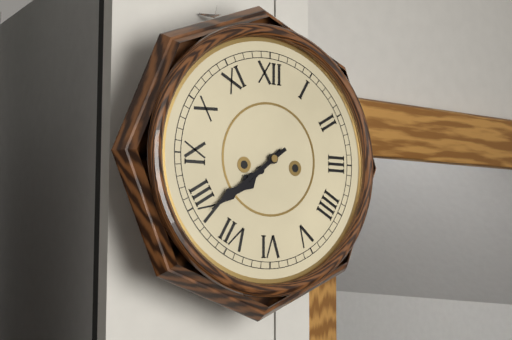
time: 7:39
